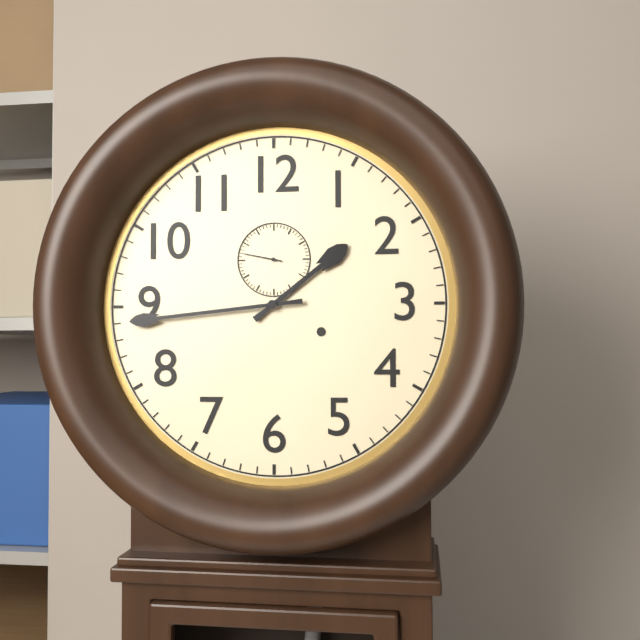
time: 1:44
